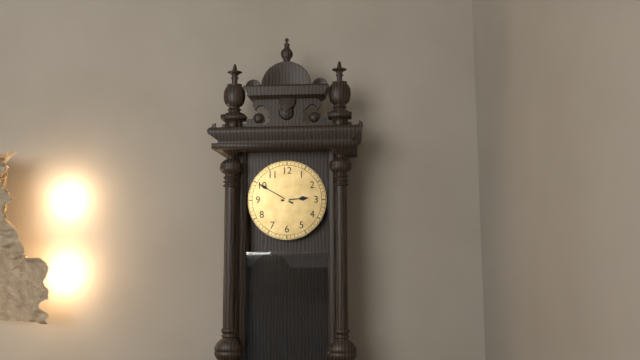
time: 2:50
